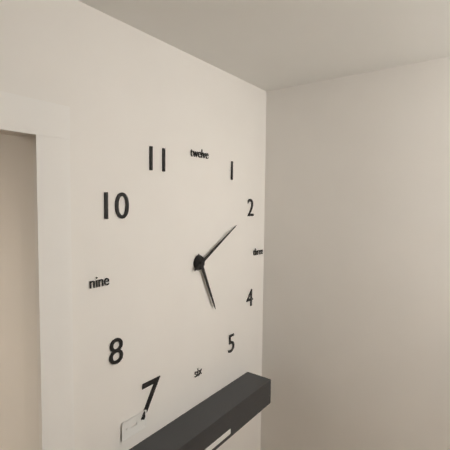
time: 5:10
